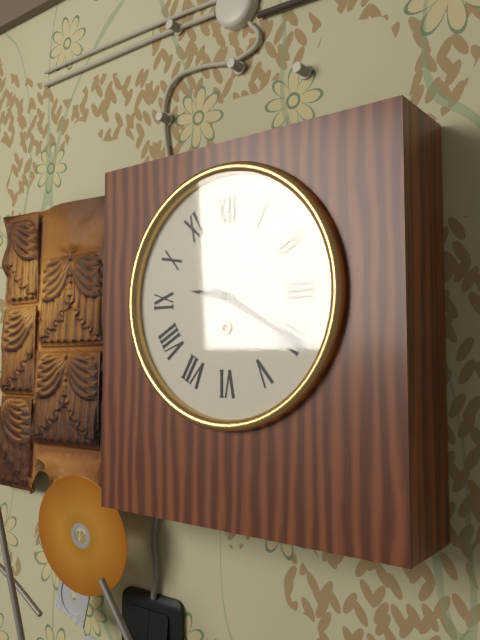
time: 9:20
